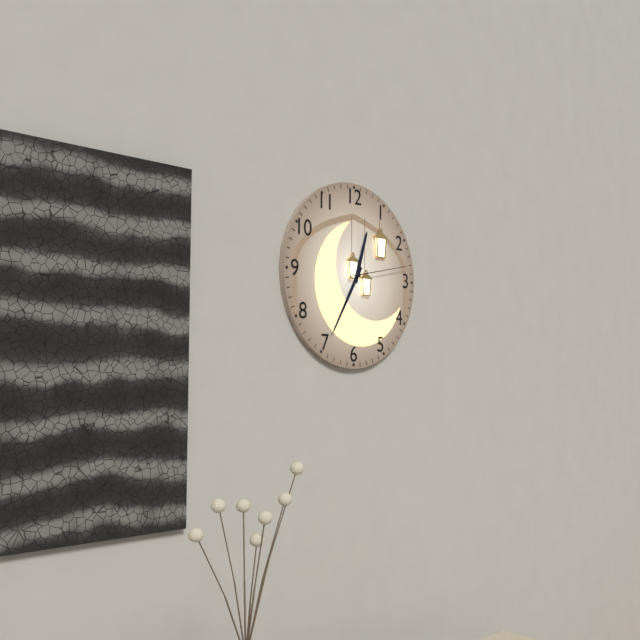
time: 12:35:13
